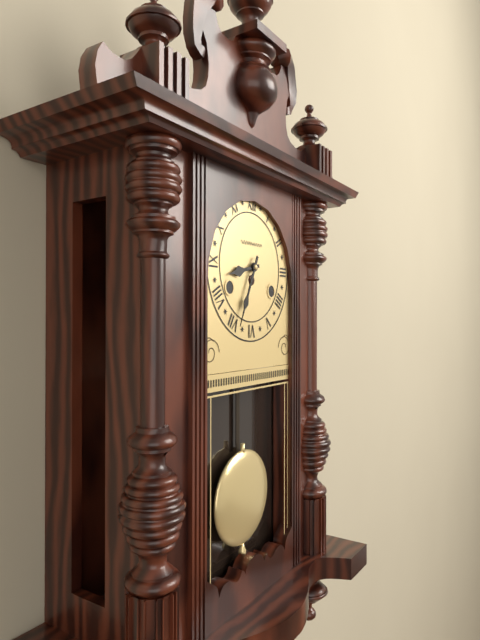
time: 8:34
